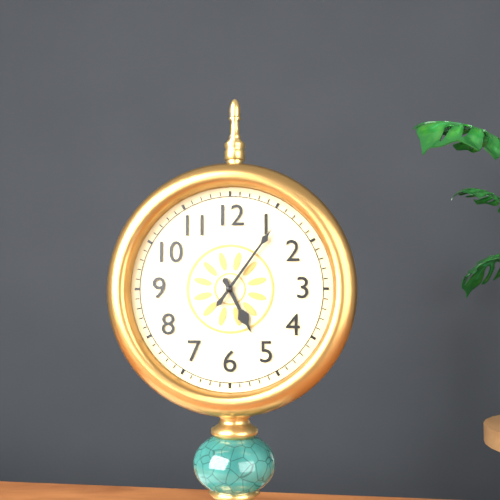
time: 5:06
